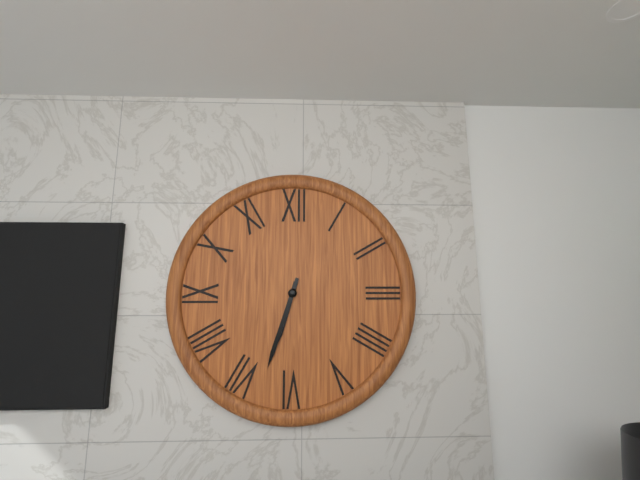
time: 6:33
